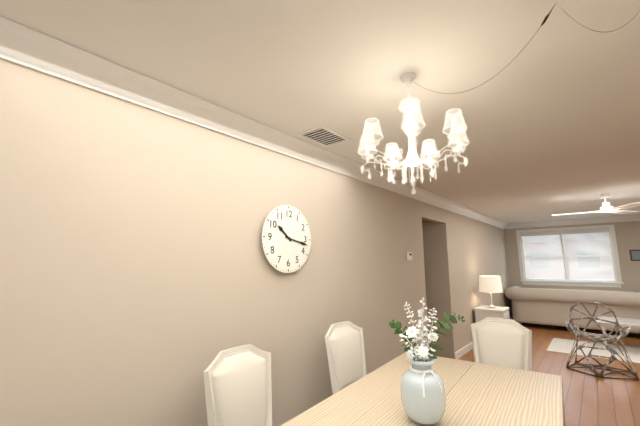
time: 10:17
